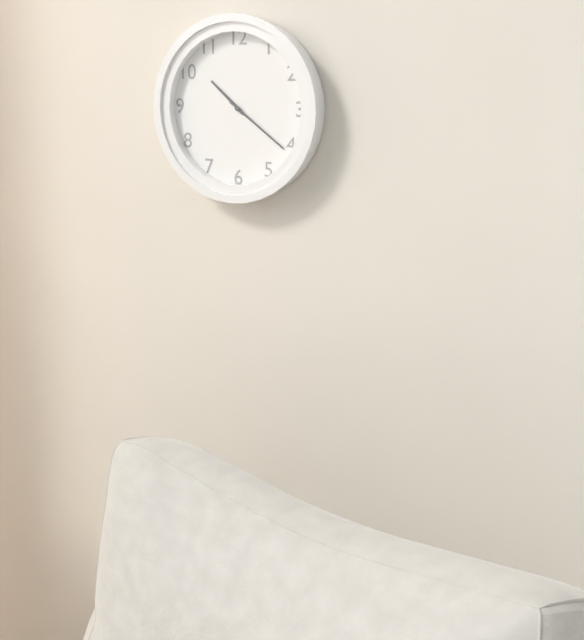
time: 10:21
